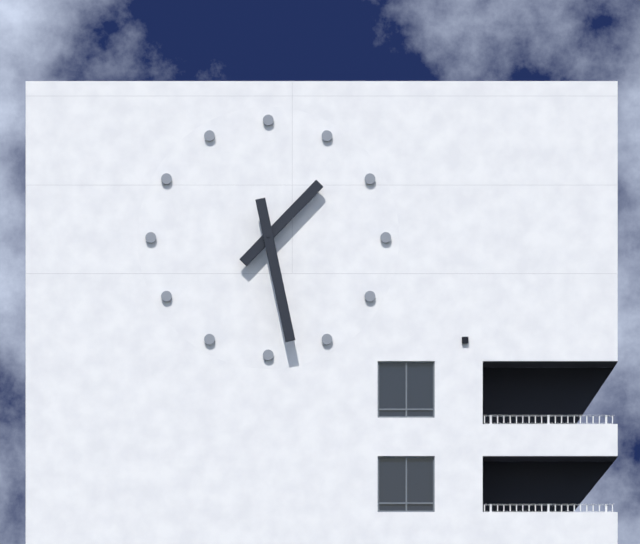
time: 1:28
